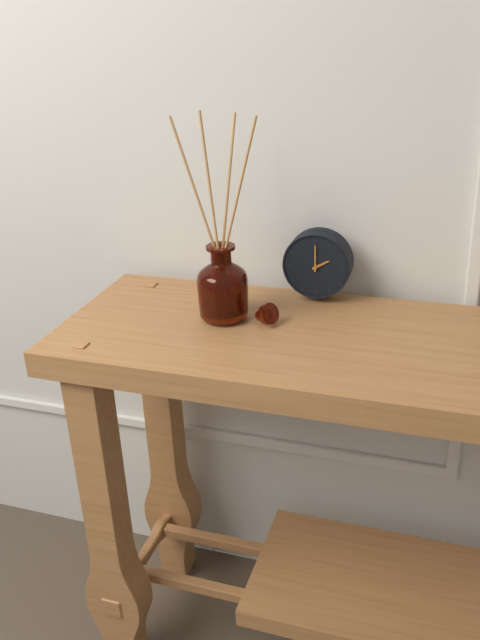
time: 2:00
